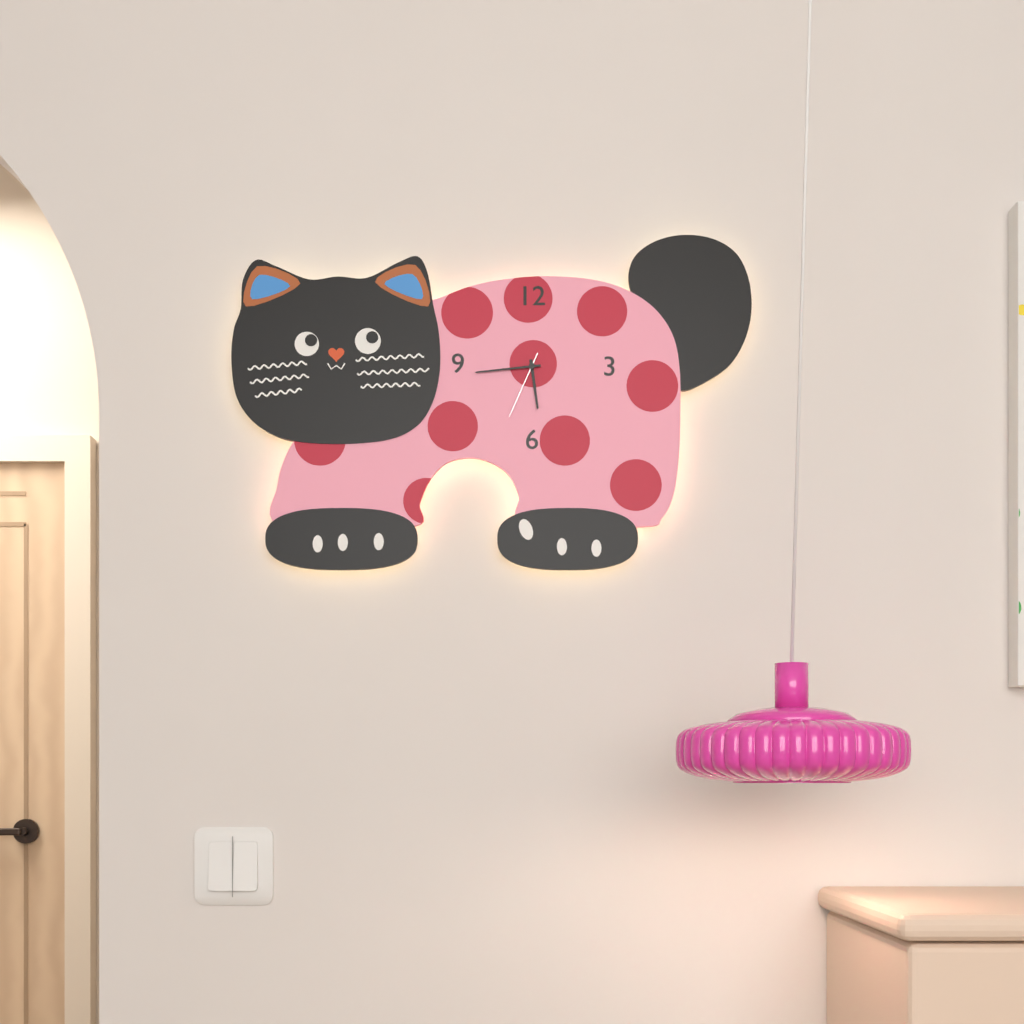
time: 5:44:34
